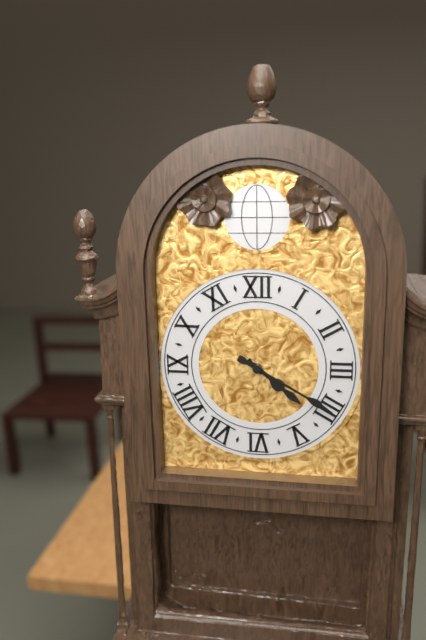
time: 4:20
